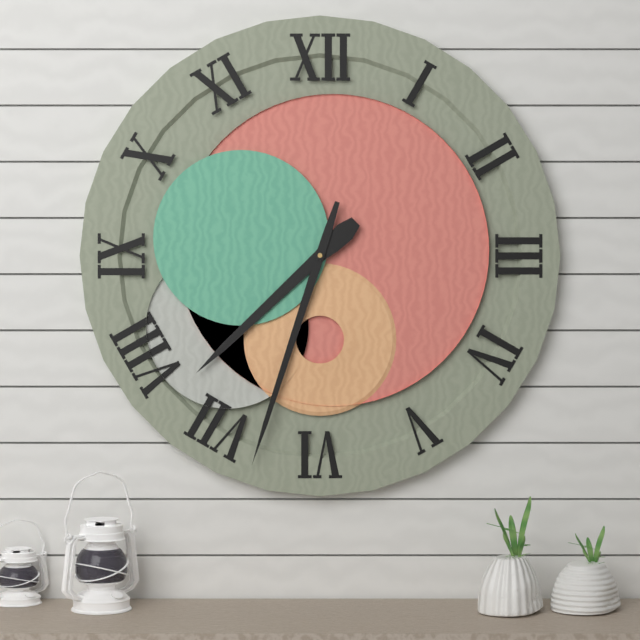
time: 7:33
